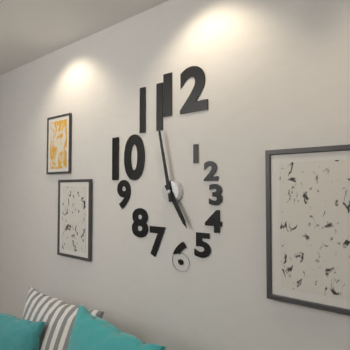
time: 4:58
